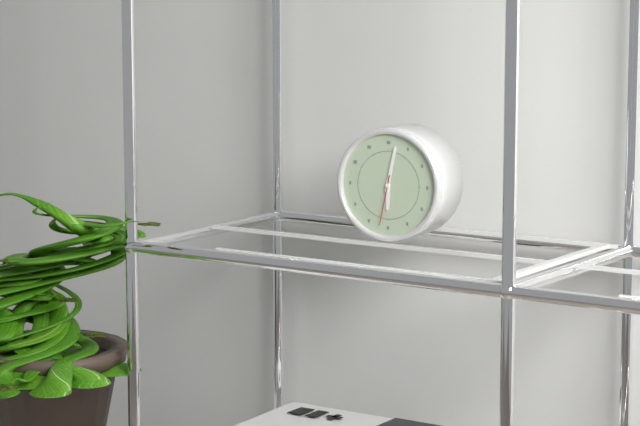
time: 6:02:32
